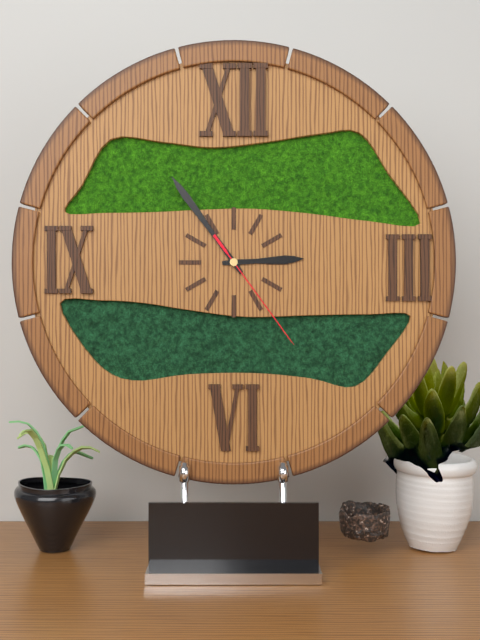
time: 2:54:24
